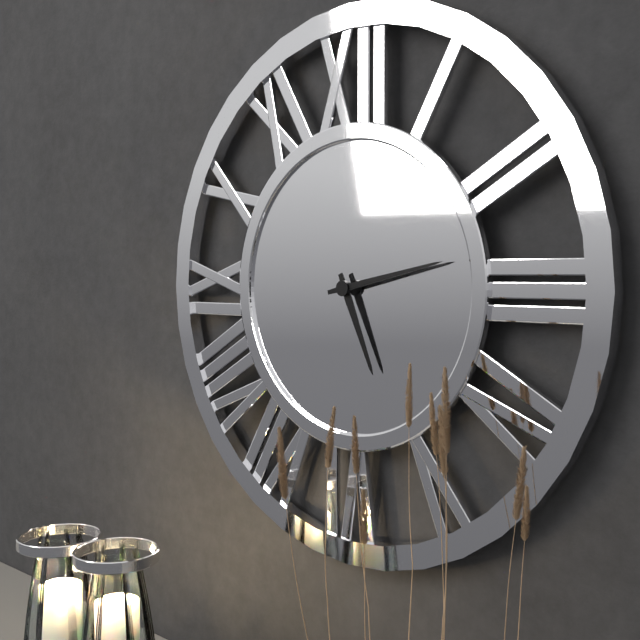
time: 5:13
